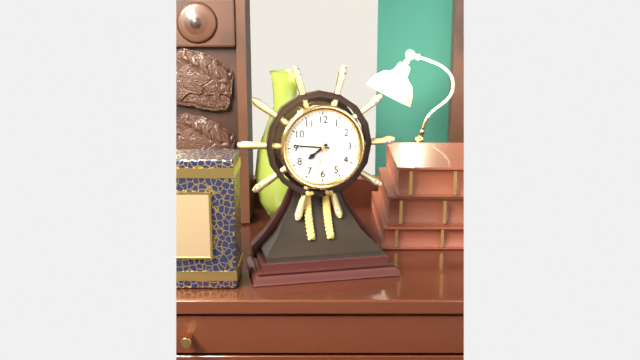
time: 7:46
